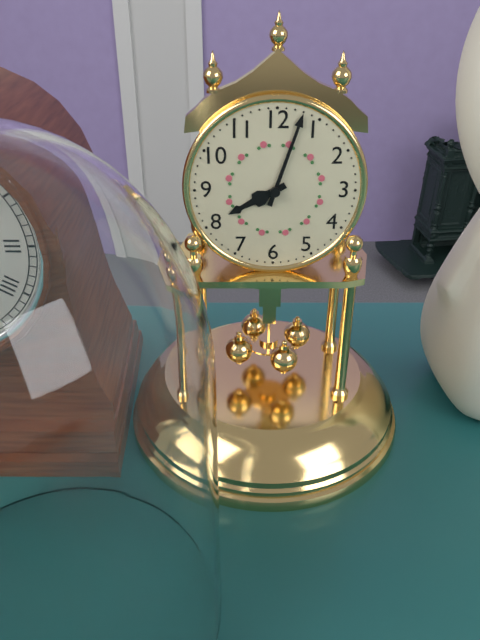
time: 8:03
